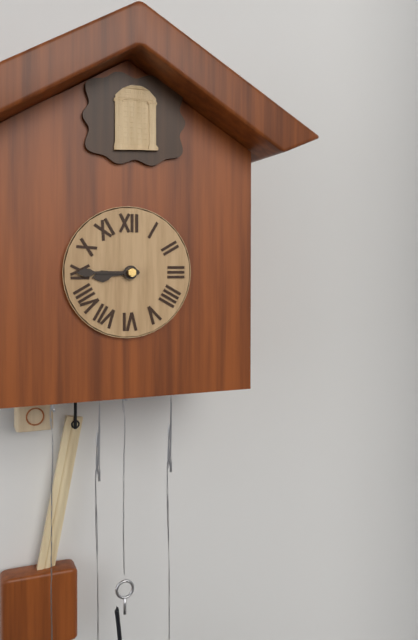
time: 8:45
